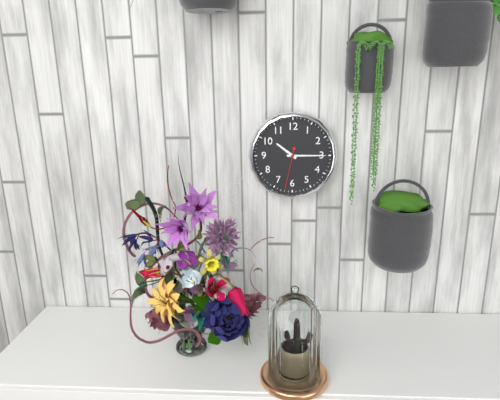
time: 10:15
